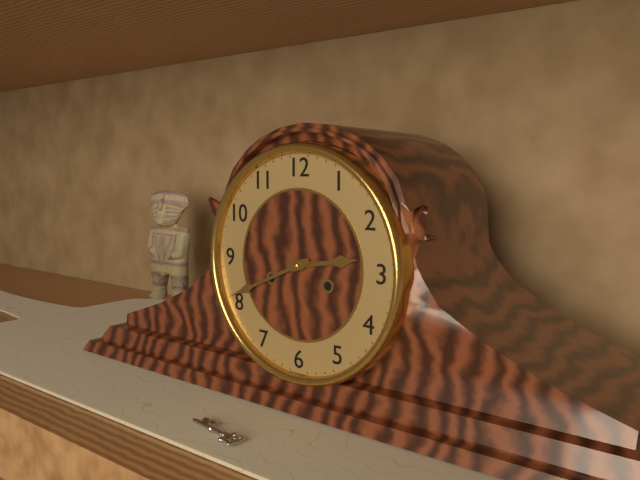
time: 2:41
